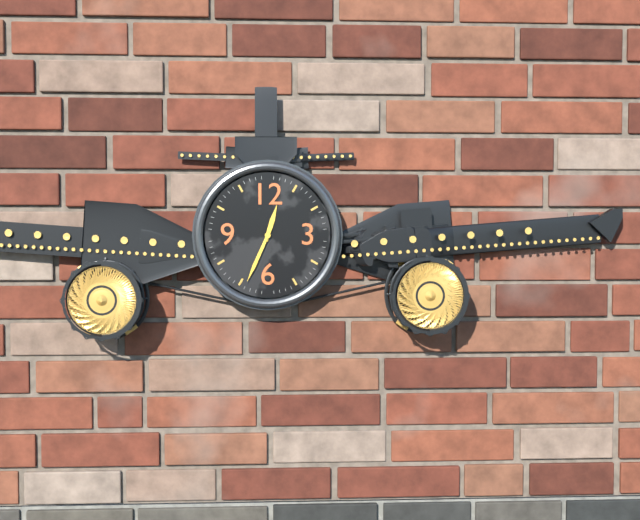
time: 12:34
